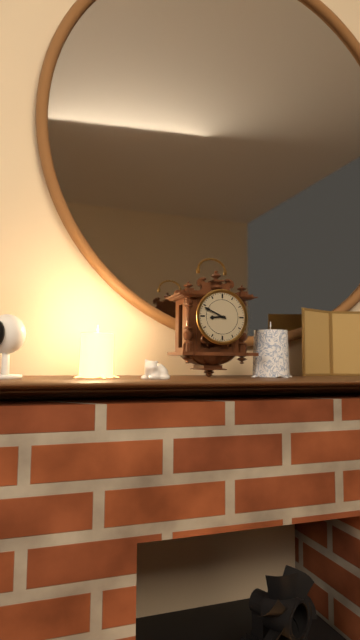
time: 8:49
